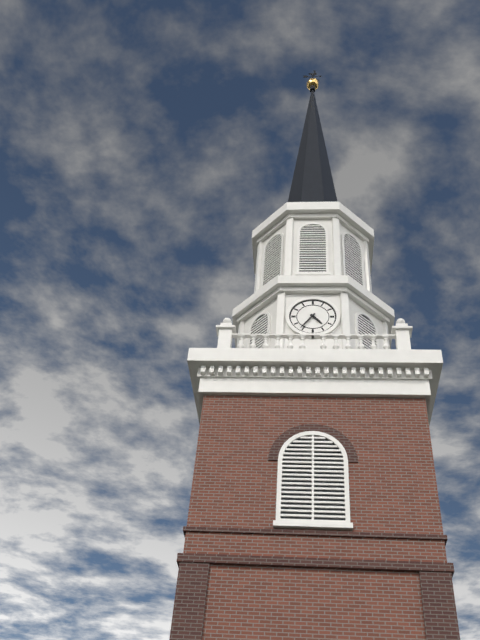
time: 4:36
